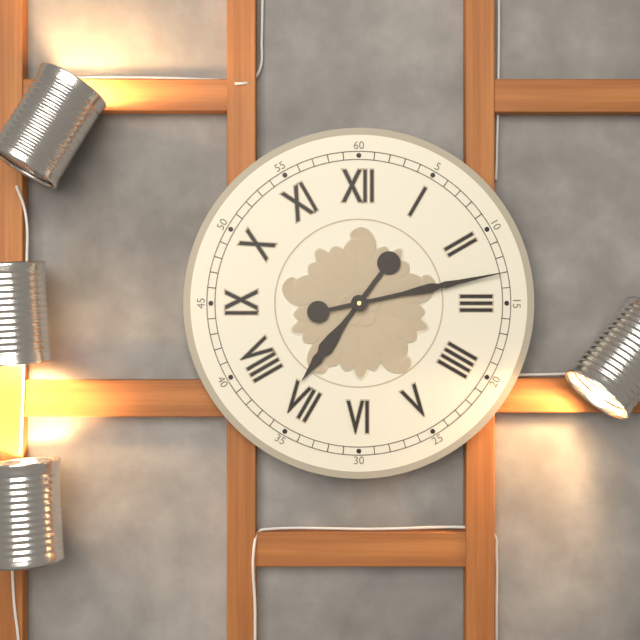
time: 7:13
